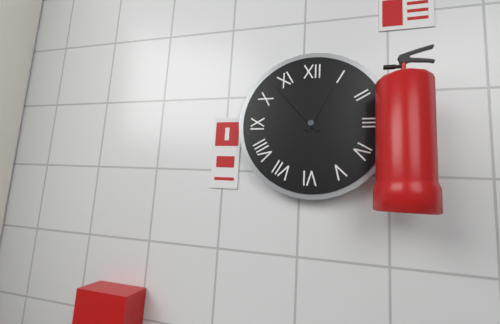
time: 12:53
